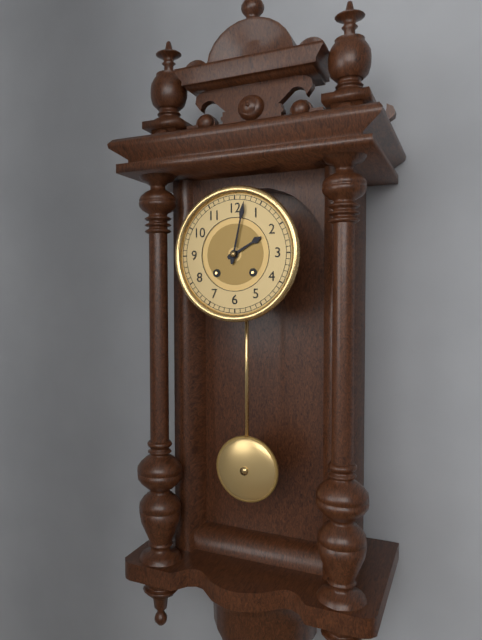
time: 2:02
